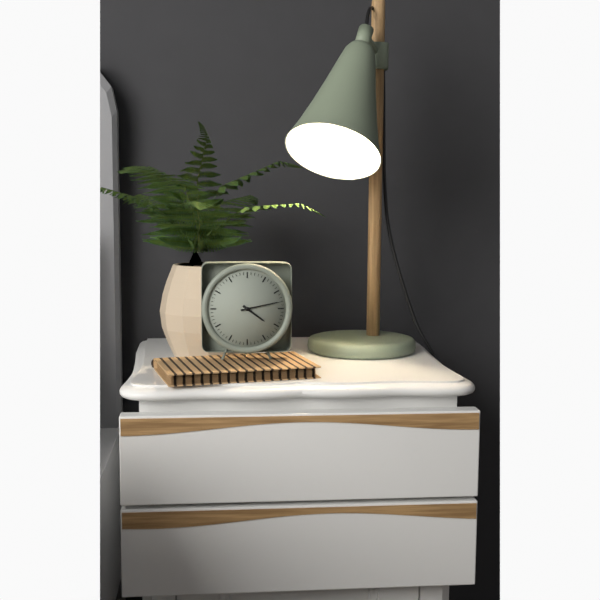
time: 4:13
